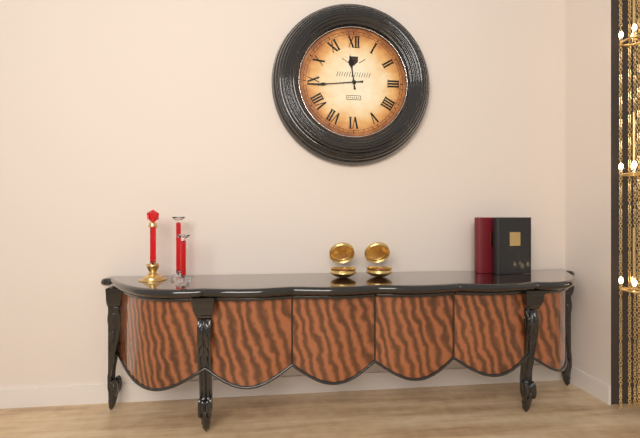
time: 11:44
